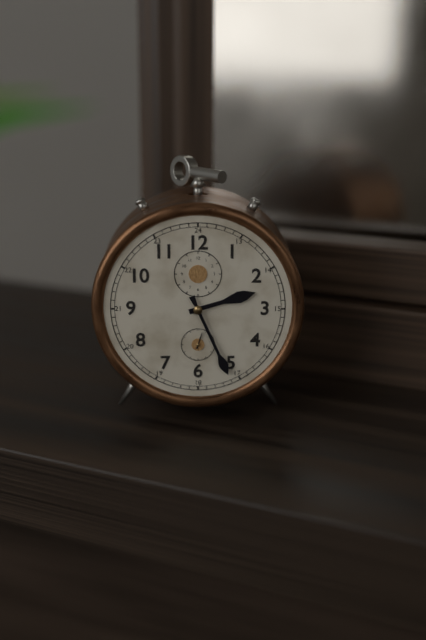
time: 2:26
